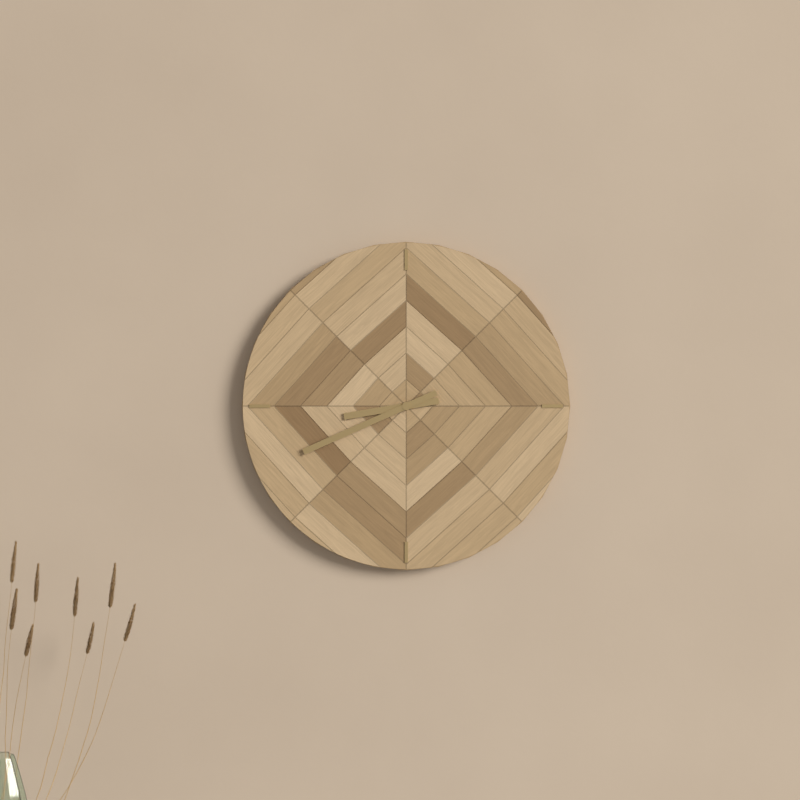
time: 8:41
